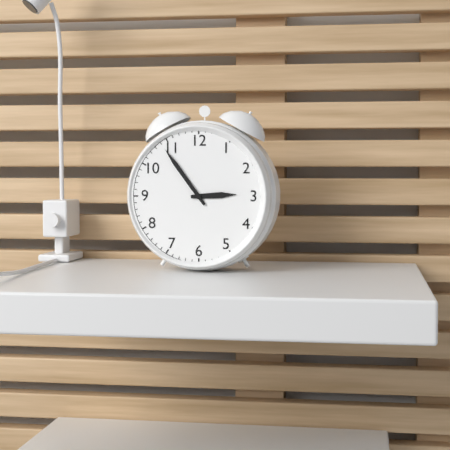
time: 2:54
